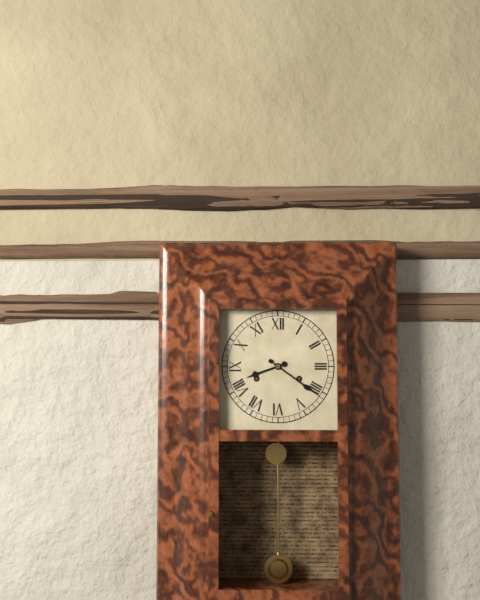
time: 8:21
